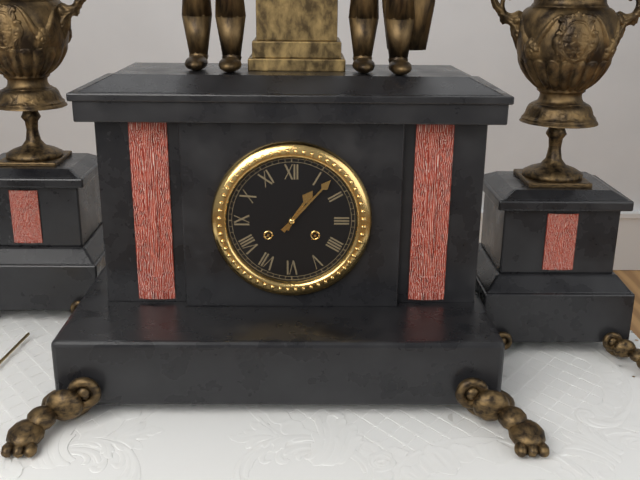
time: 1:07
